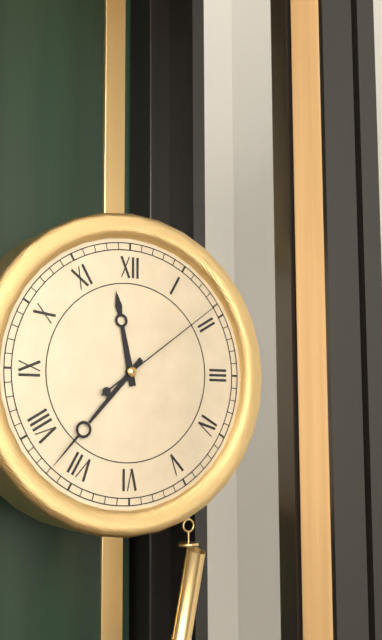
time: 11:37:09
